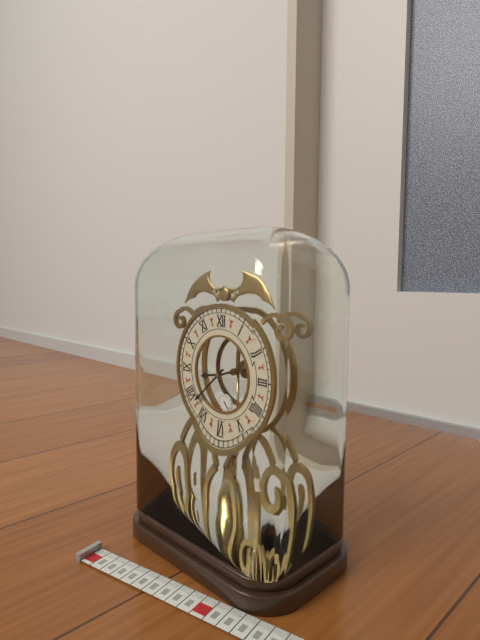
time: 8:38
